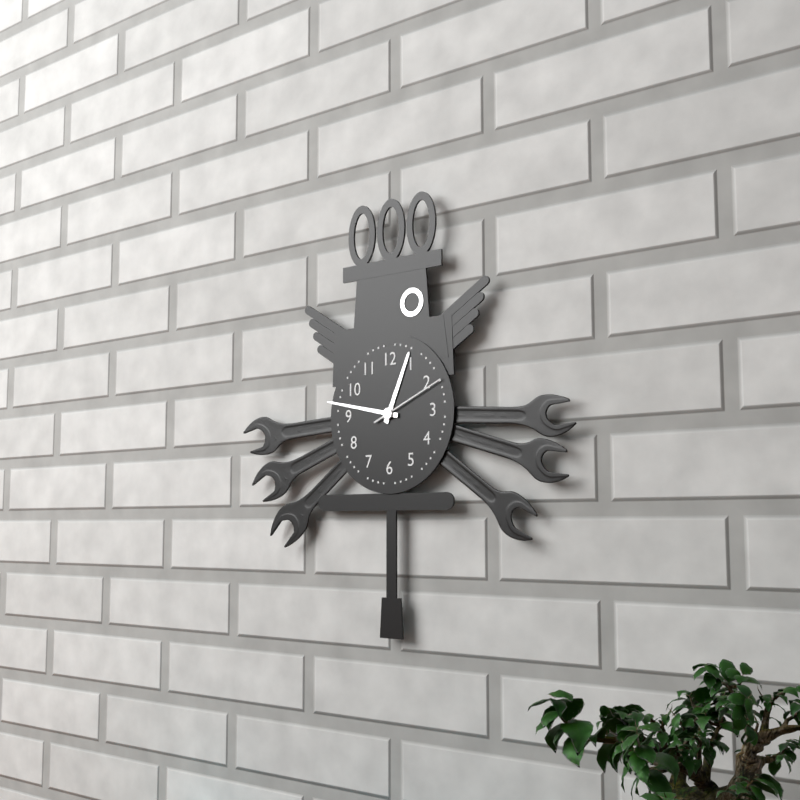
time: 12:47:11
